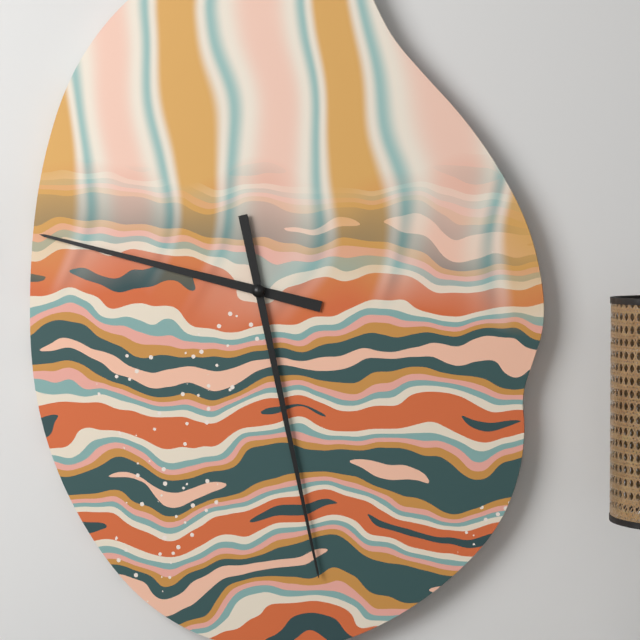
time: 9:28
